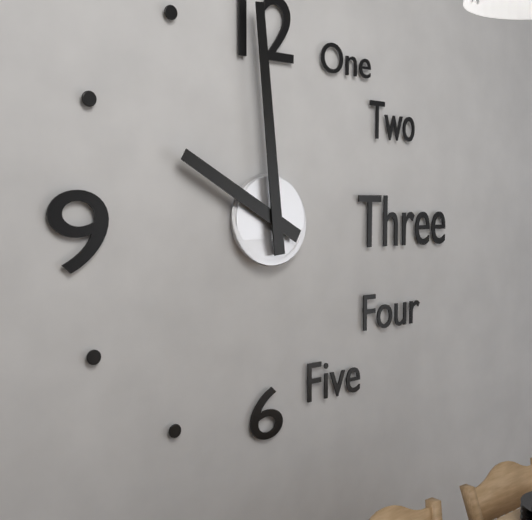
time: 9:59
